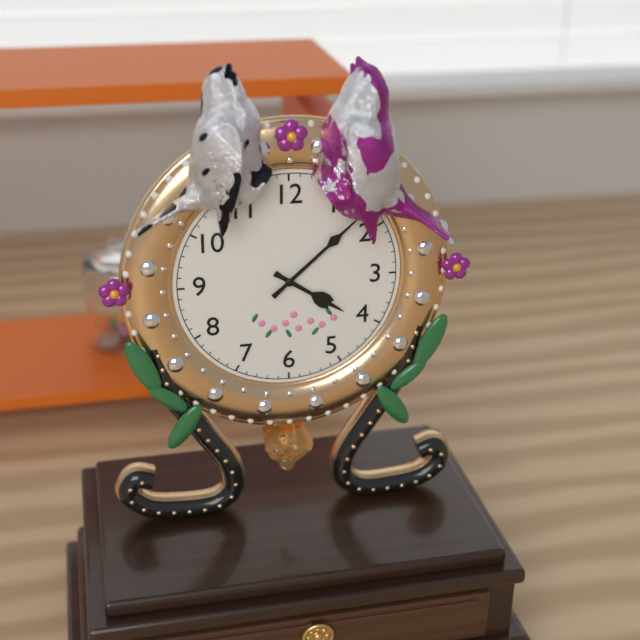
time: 4:08
